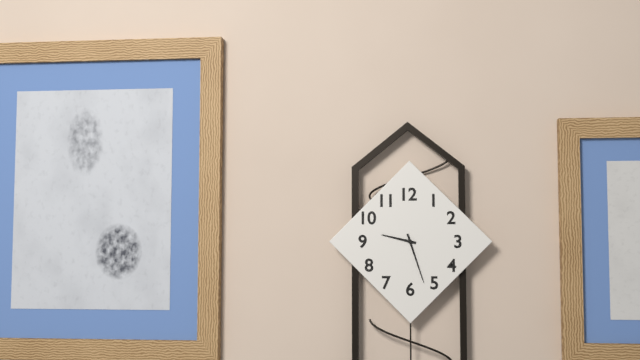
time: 9:27
